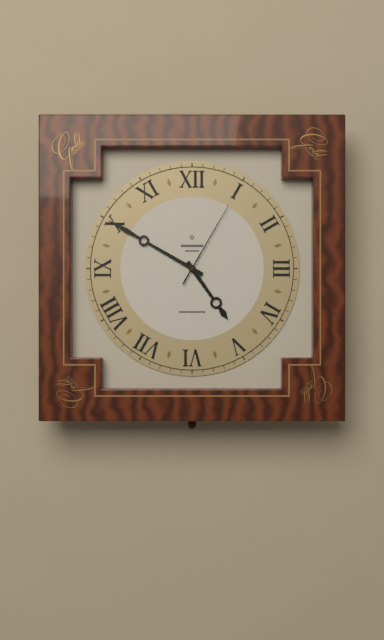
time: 4:50:05
